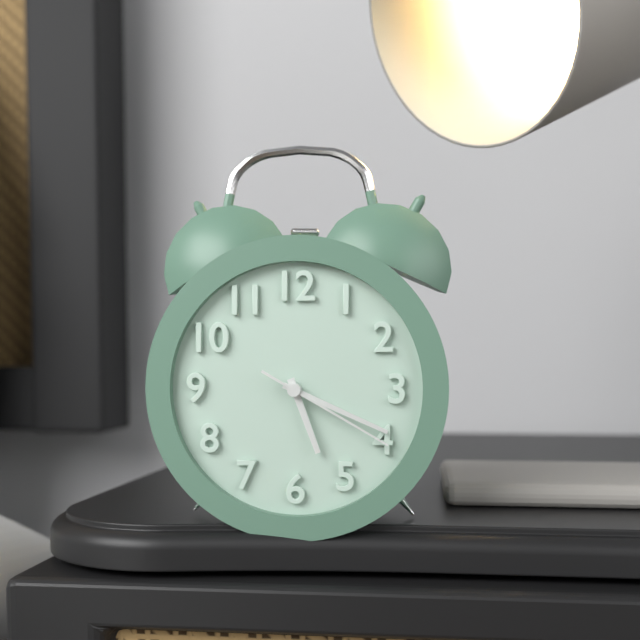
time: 5:19:20
